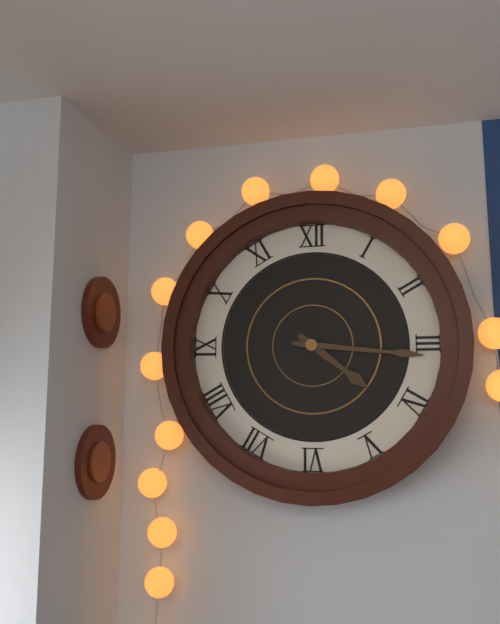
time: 4:16
